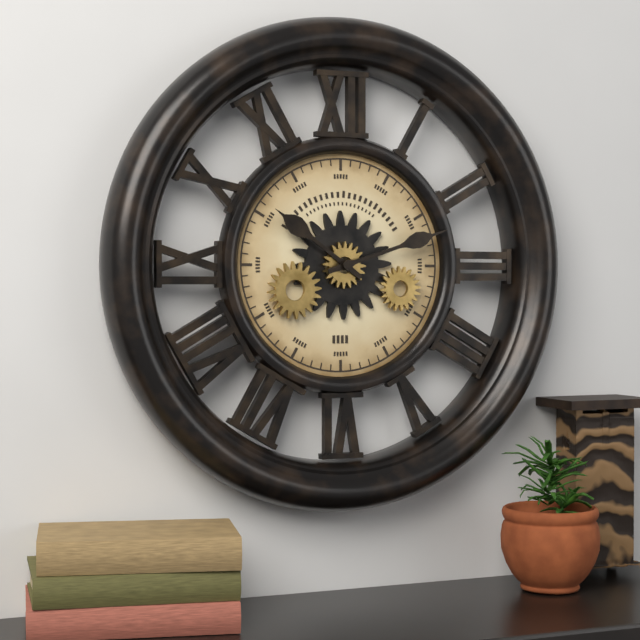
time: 10:12
